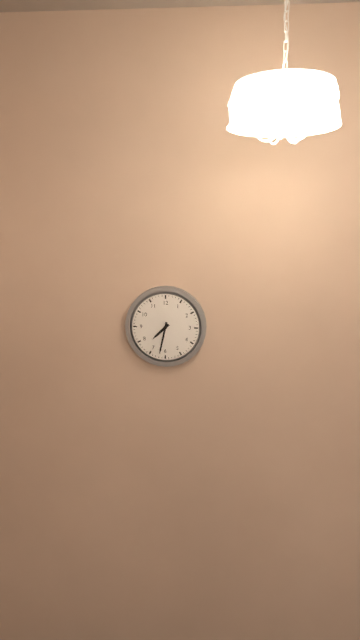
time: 7:32
